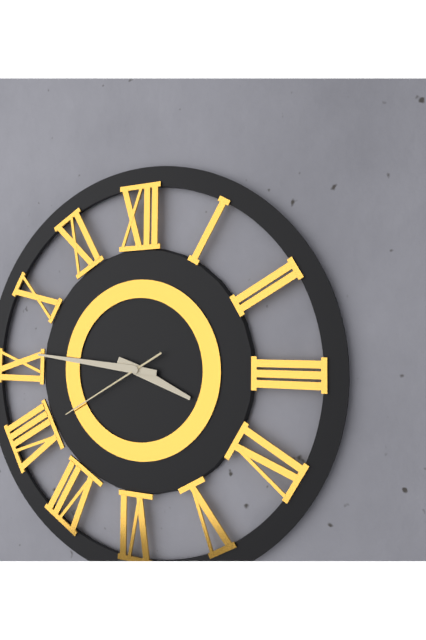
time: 3:46:40
